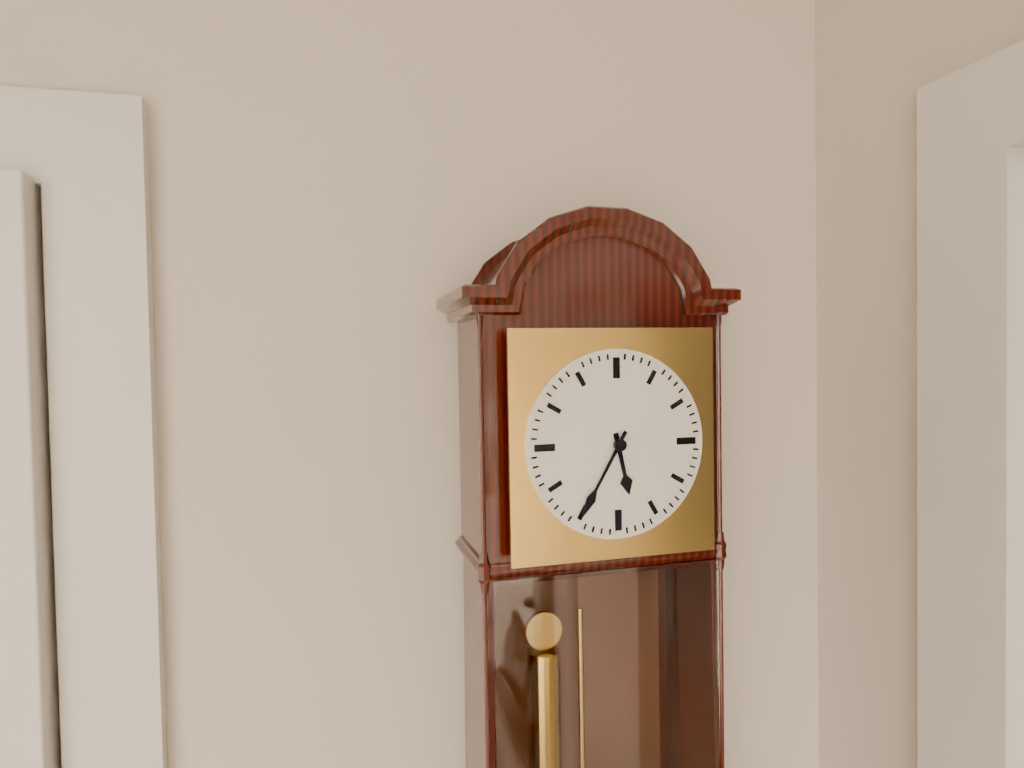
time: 5:35
